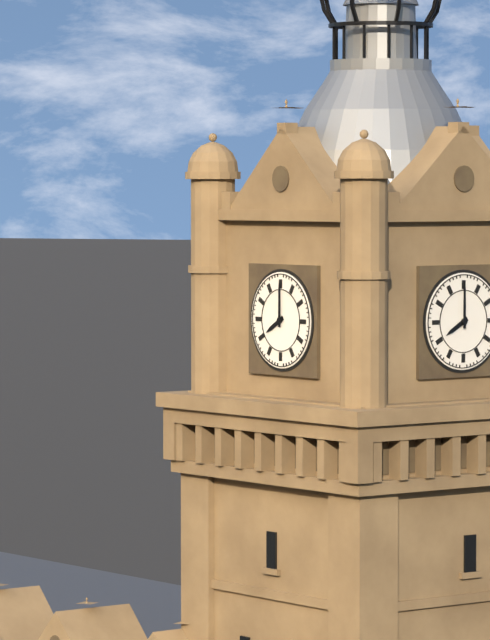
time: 8:00
